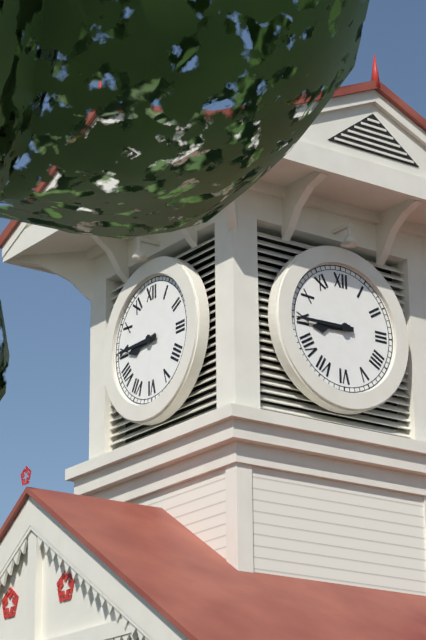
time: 8:45
